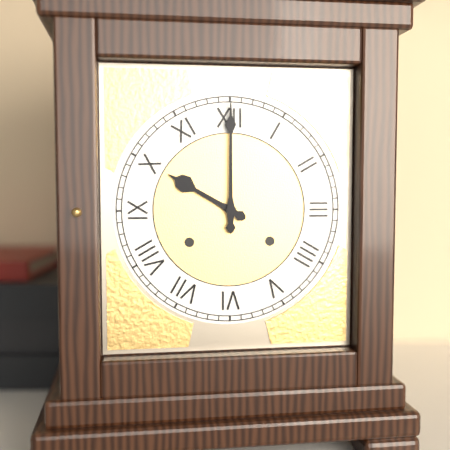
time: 10:00
